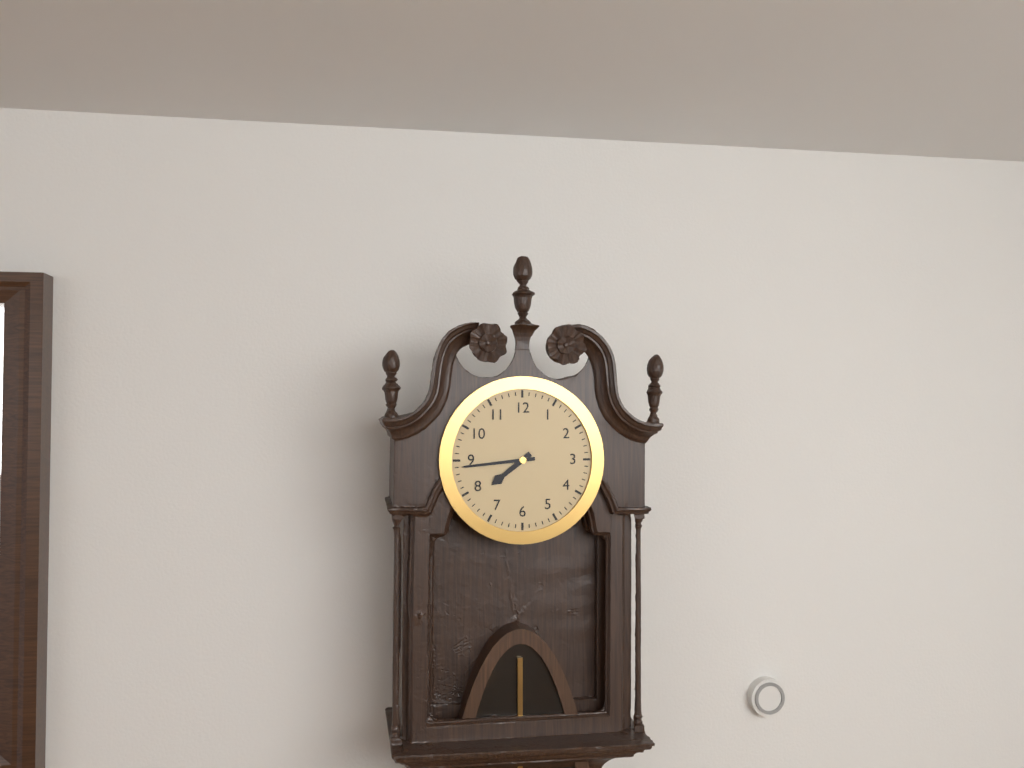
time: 7:44
